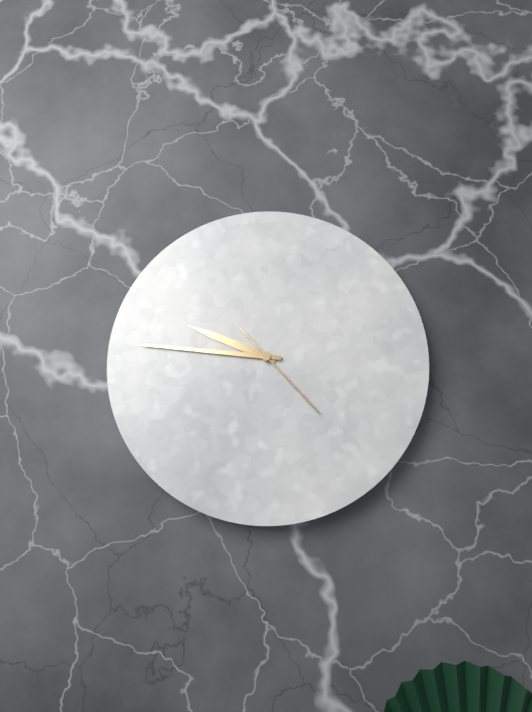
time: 9:46:23
